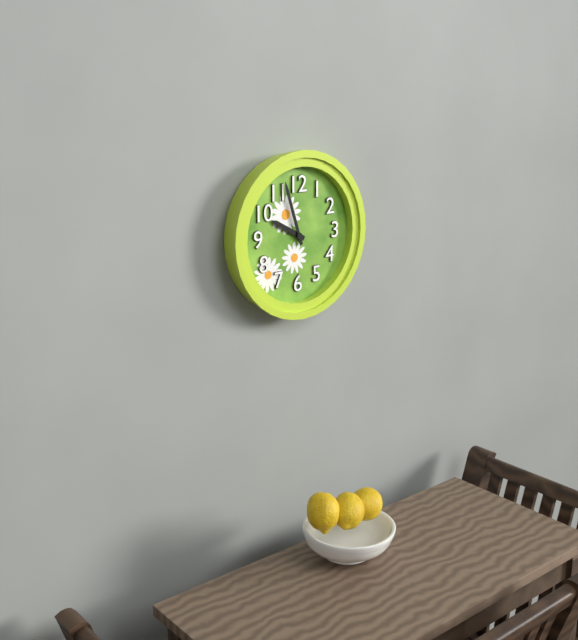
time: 9:57
